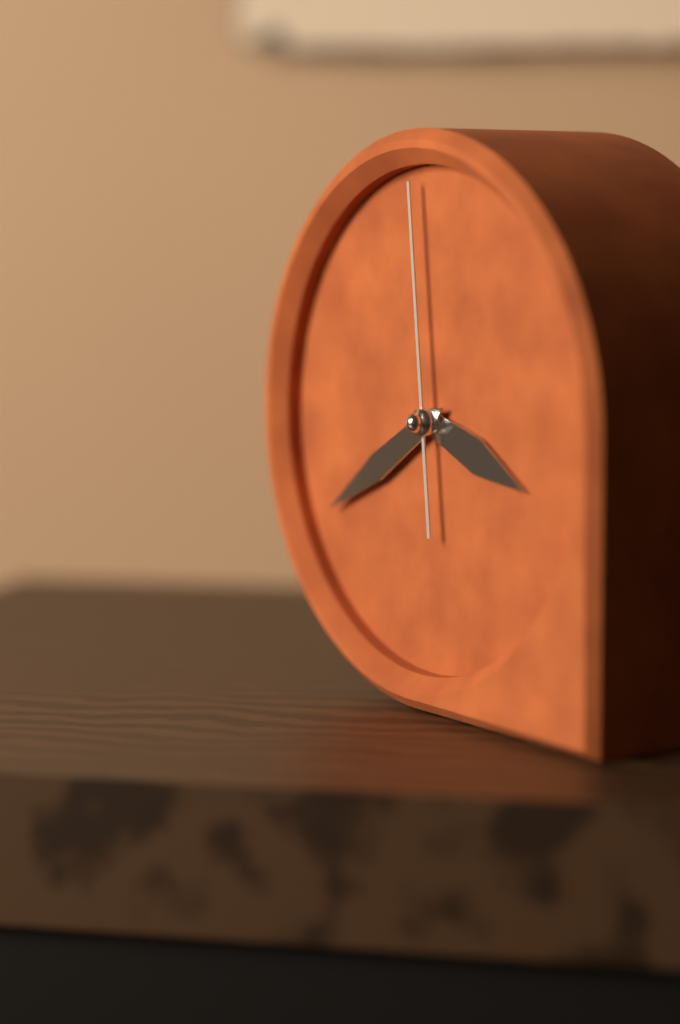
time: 3:40:59
